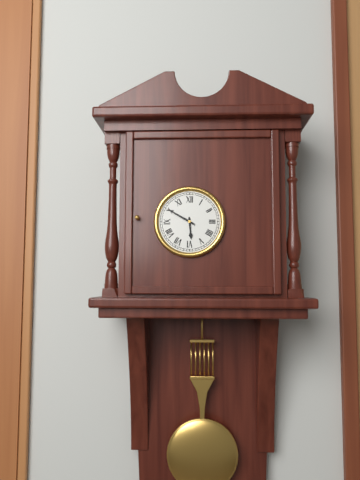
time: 5:50
